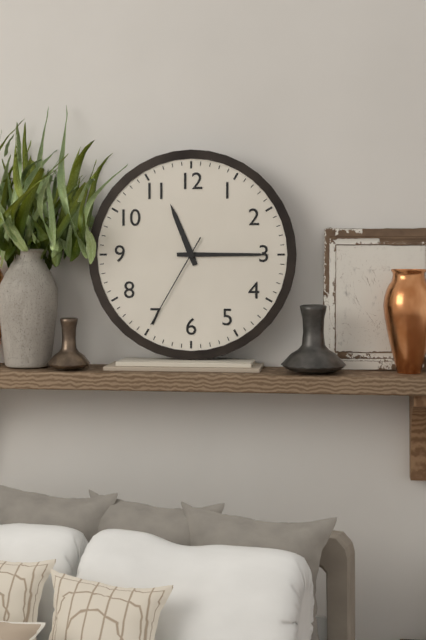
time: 11:15:35
